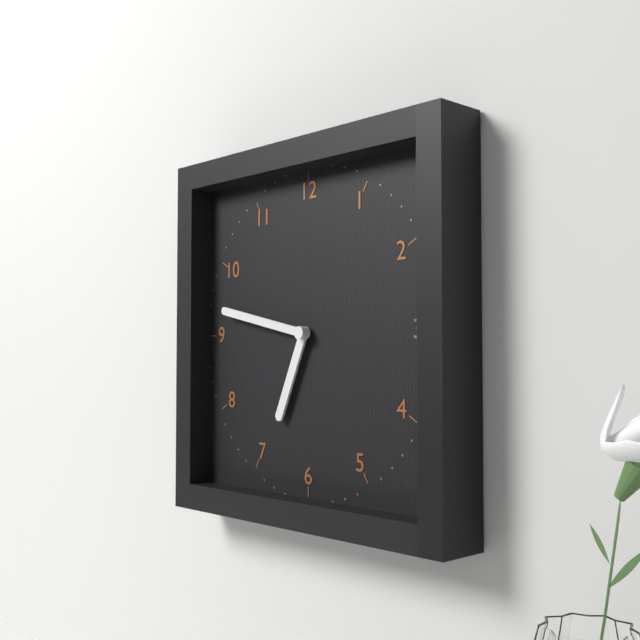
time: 6:47
